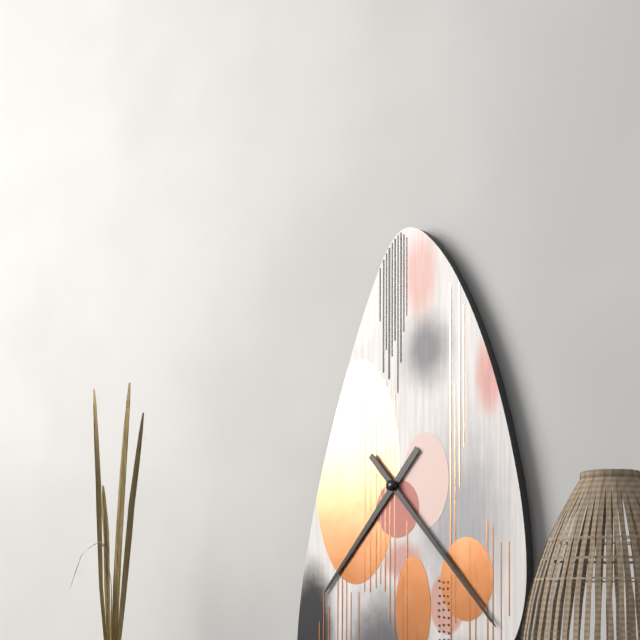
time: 7:23
